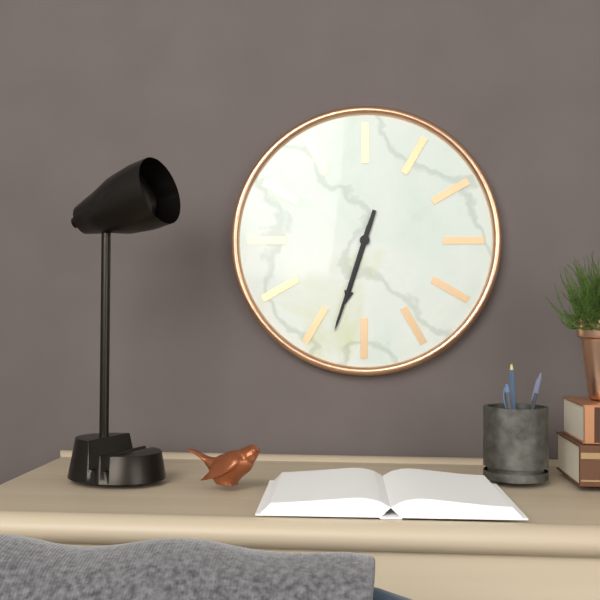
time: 6:33
